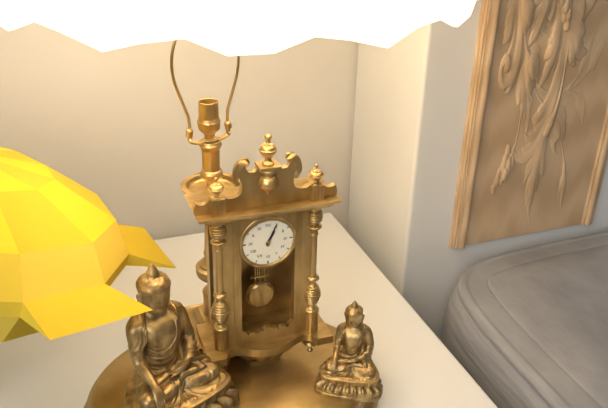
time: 1:04
